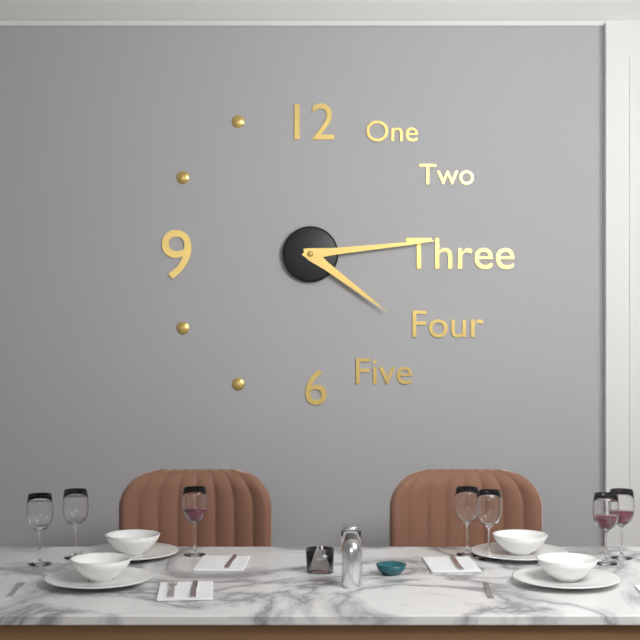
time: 4:14
